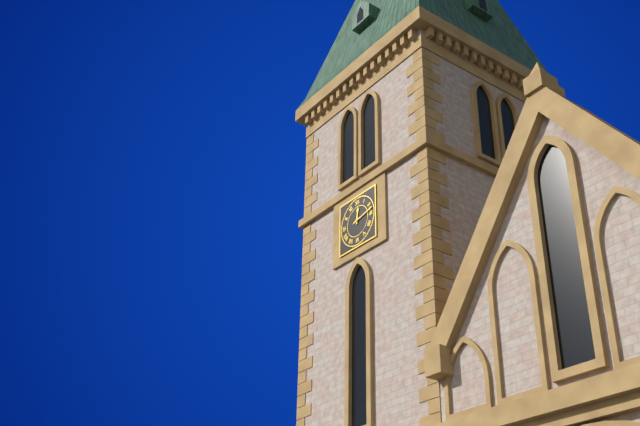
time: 12:13
